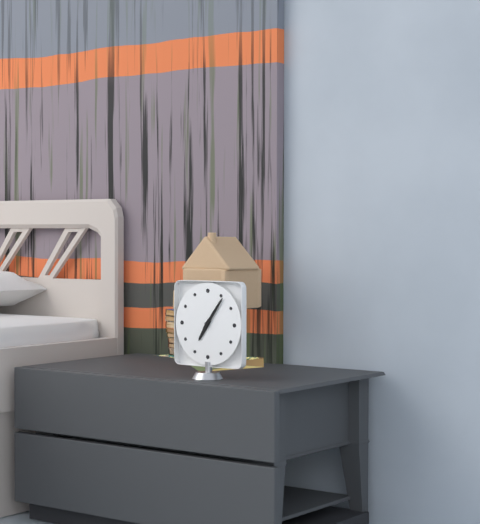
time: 7:06
